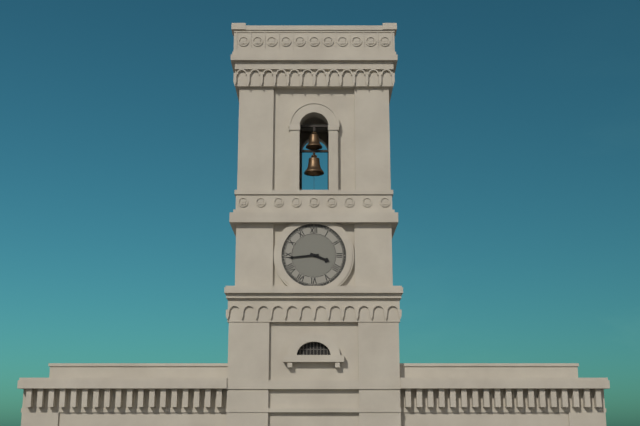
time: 3:44
